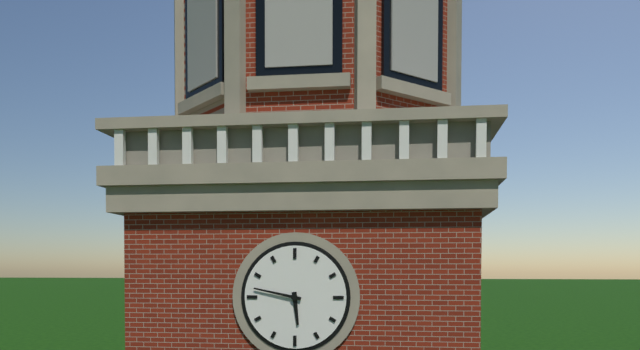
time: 5:47
